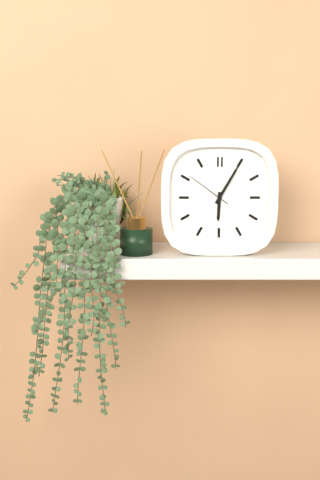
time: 6:05
